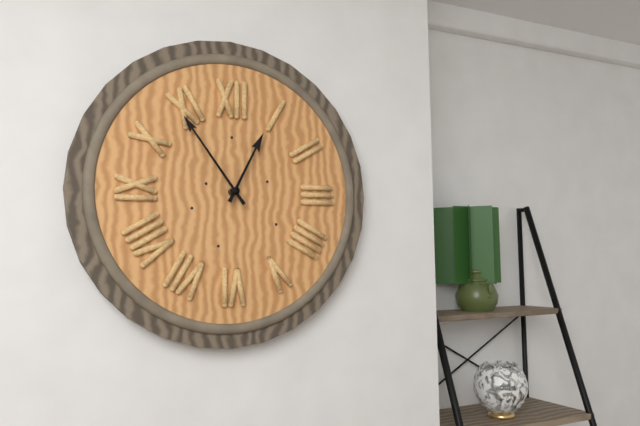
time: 12:54
